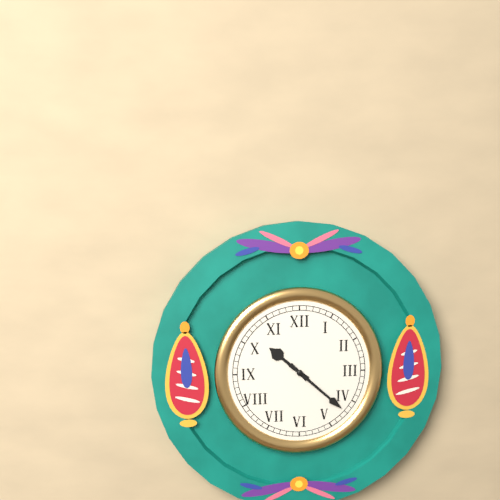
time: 10:22
